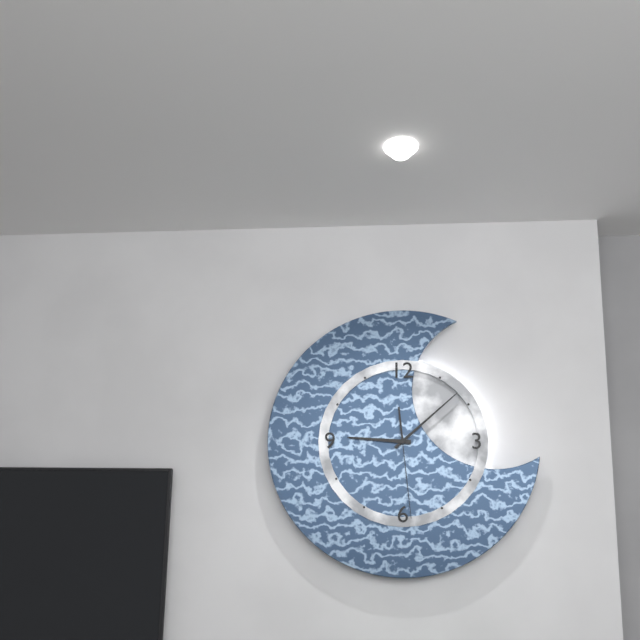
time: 9:08:29
